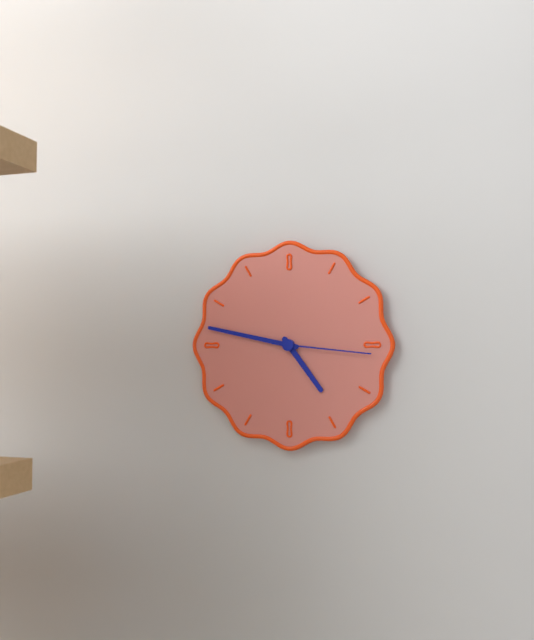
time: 4:47:16
